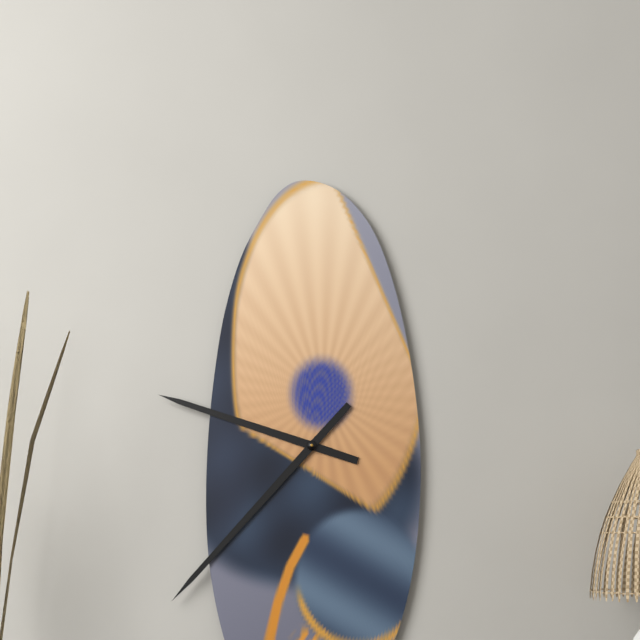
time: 9:37
